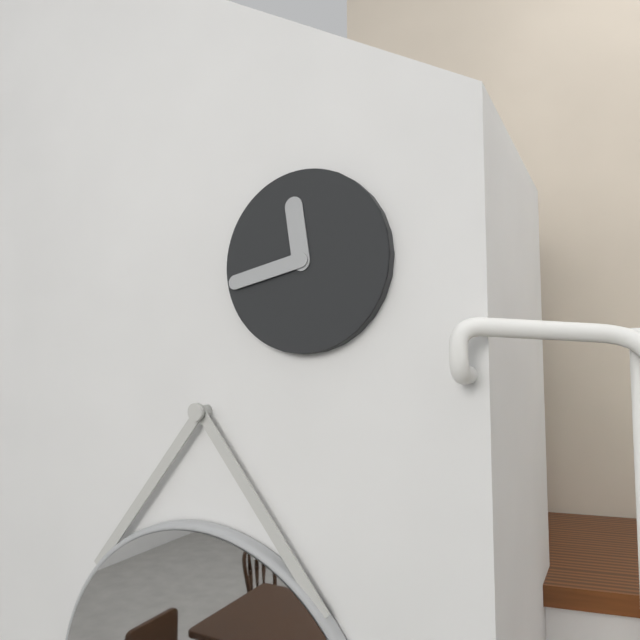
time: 11:43
